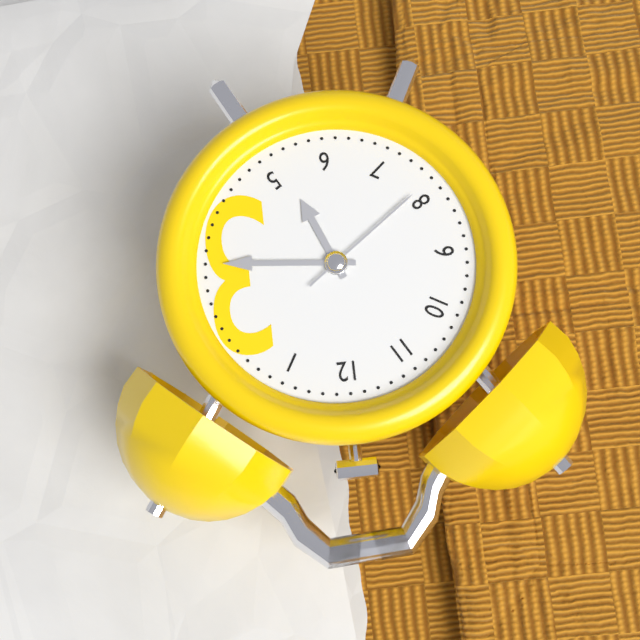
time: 5:16:39
